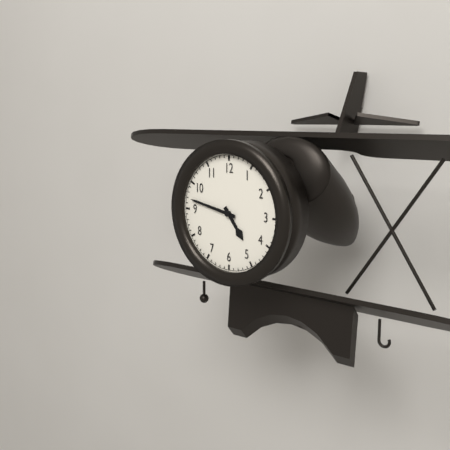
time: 4:47
